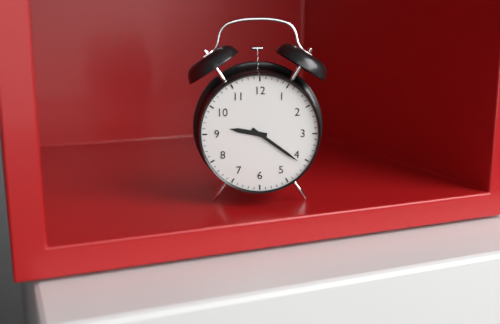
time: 9:21
